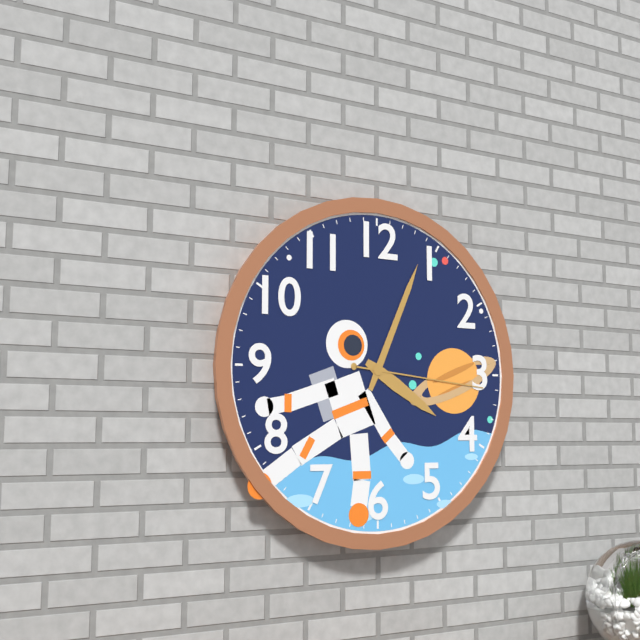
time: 4:04:16
